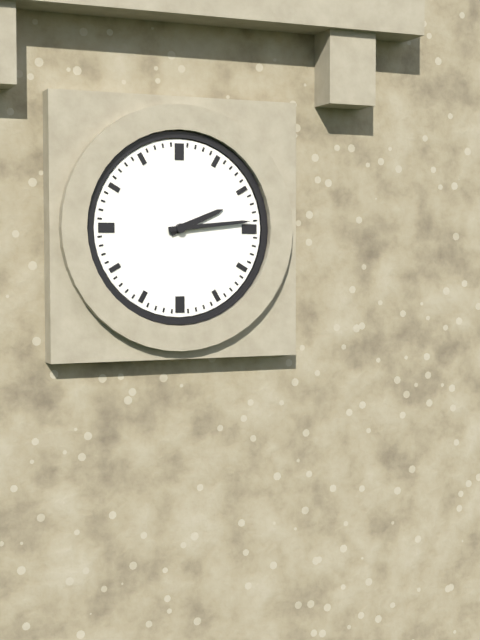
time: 2:14
